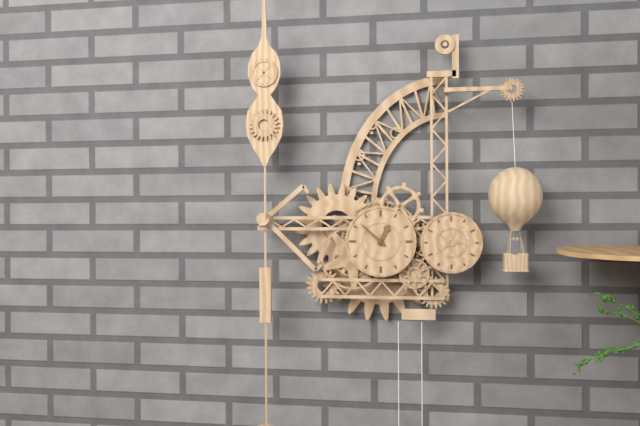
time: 12:52
